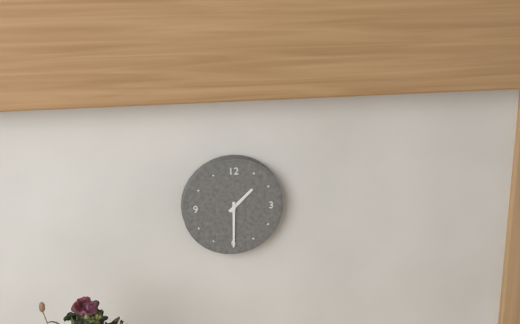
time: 1:30
